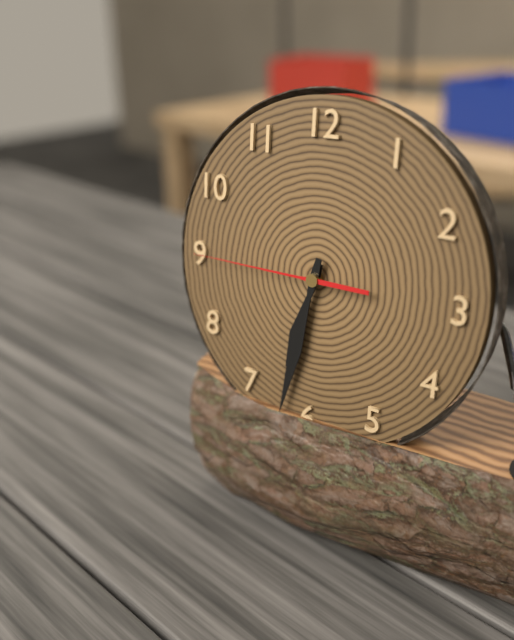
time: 6:32:45
